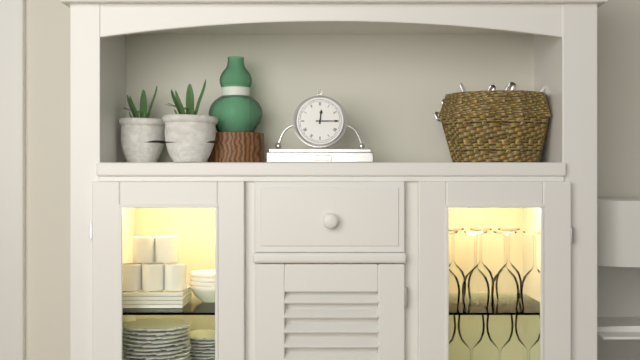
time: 12:15
